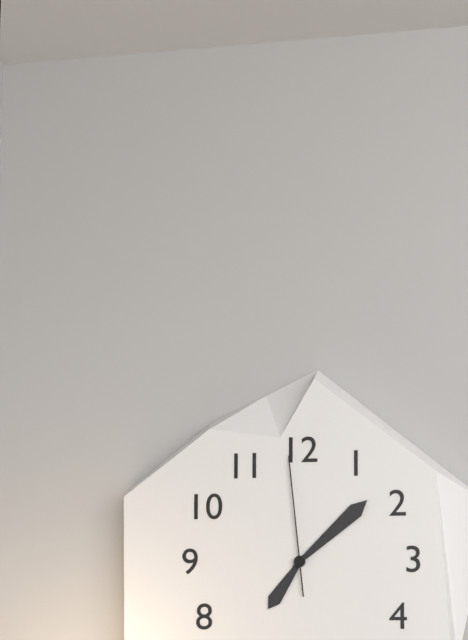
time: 7:08:59
